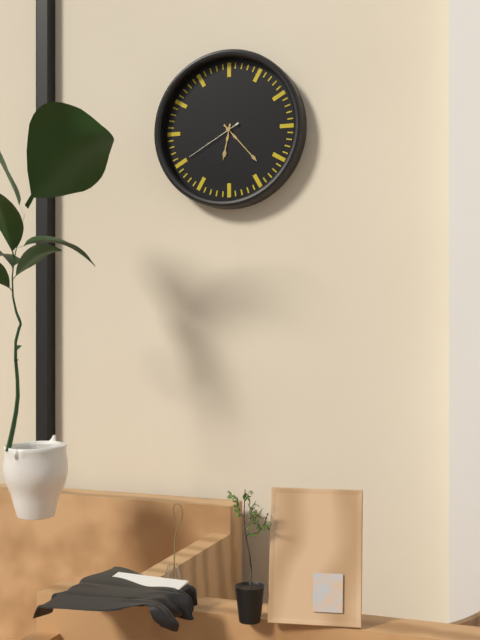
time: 6:23:40
